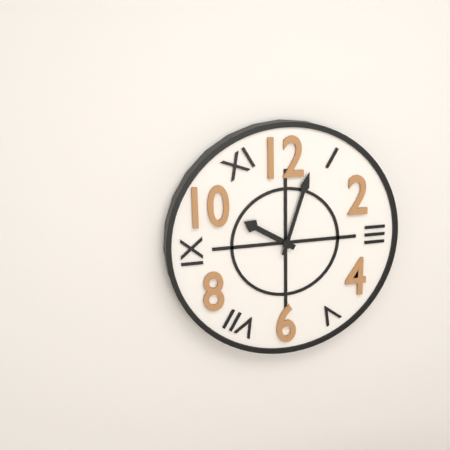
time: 10:03
